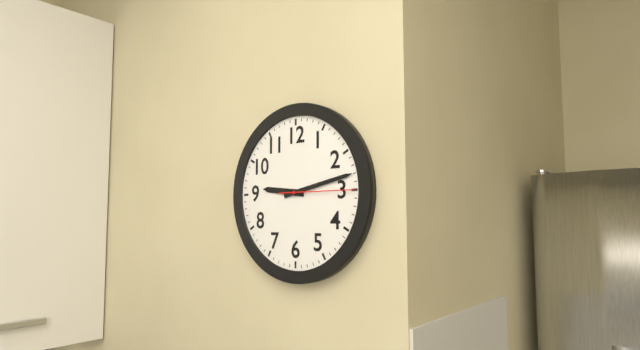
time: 9:13:15
